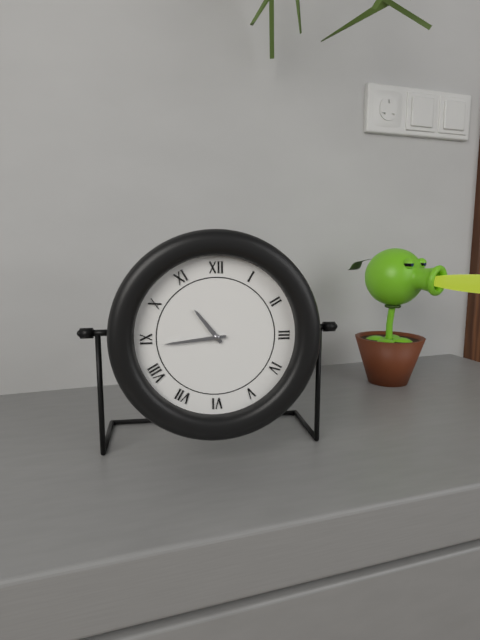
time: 10:44
